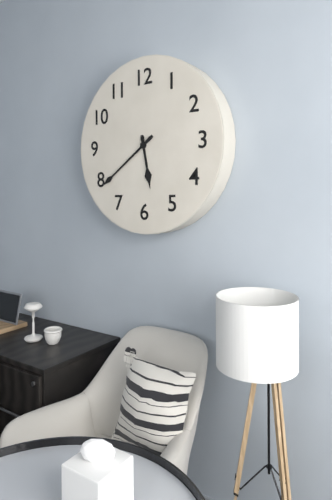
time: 5:39
